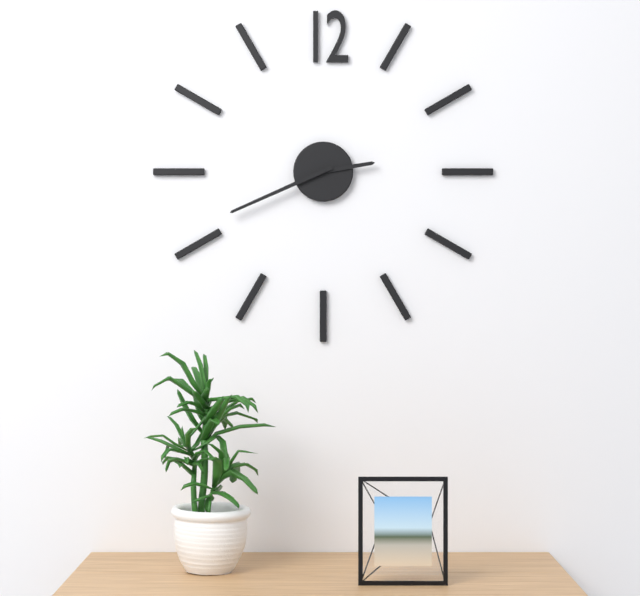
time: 2:41
